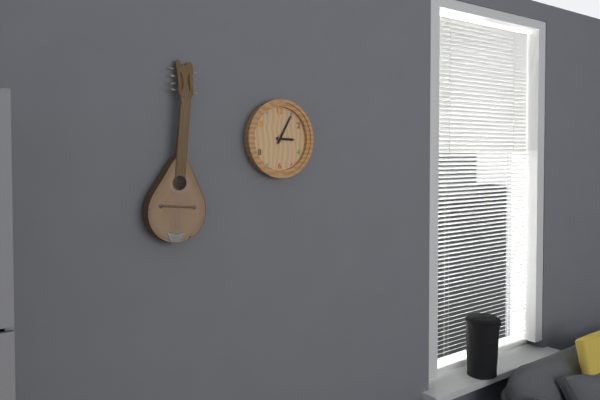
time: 3:05
